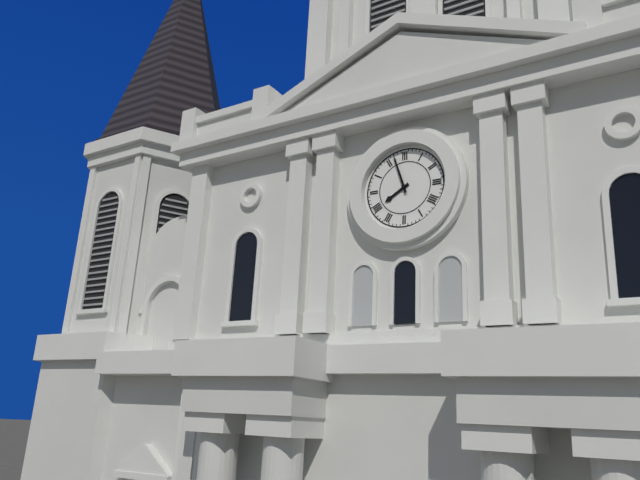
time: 7:57
